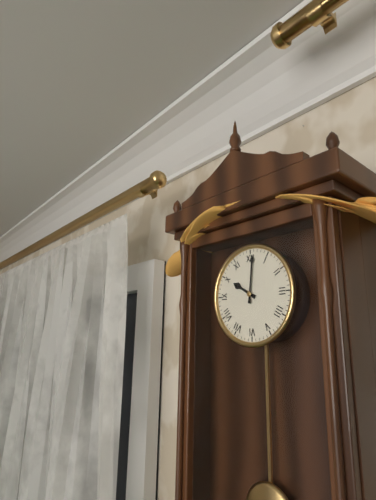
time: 10:01
